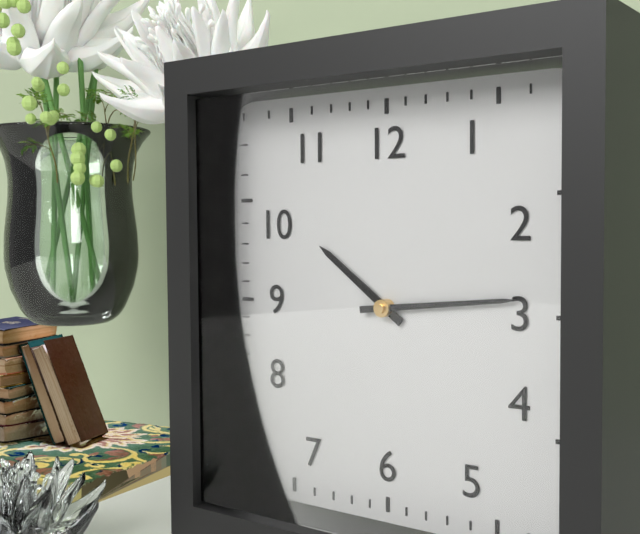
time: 10:14
